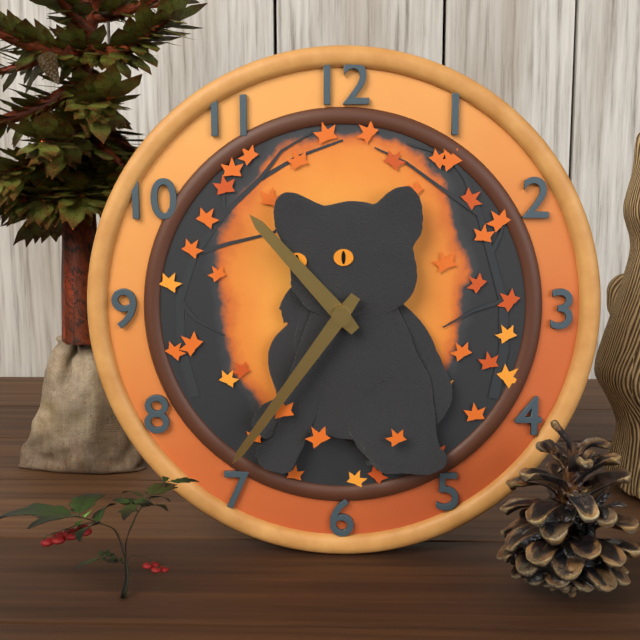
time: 10:36
